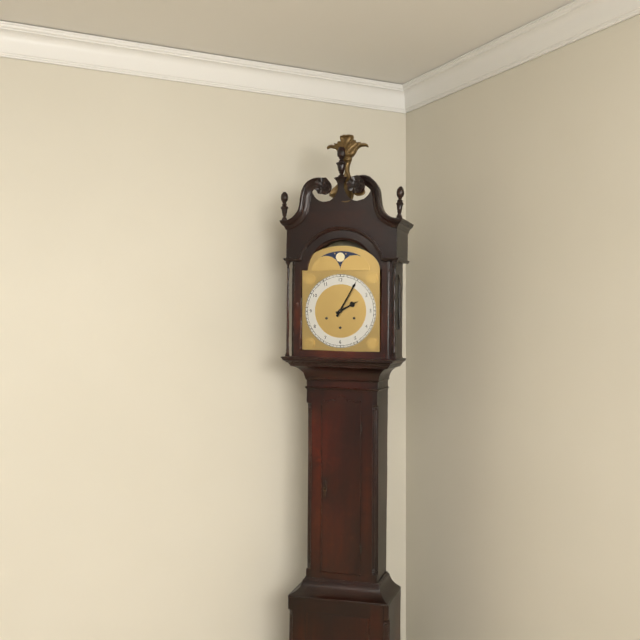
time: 2:05
